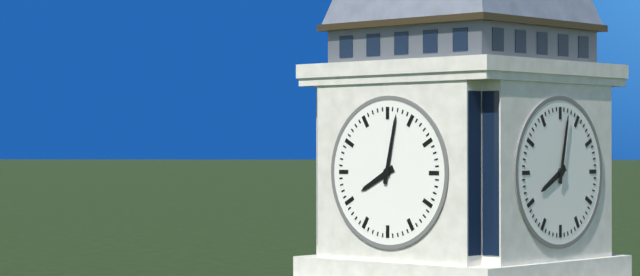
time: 8:02
